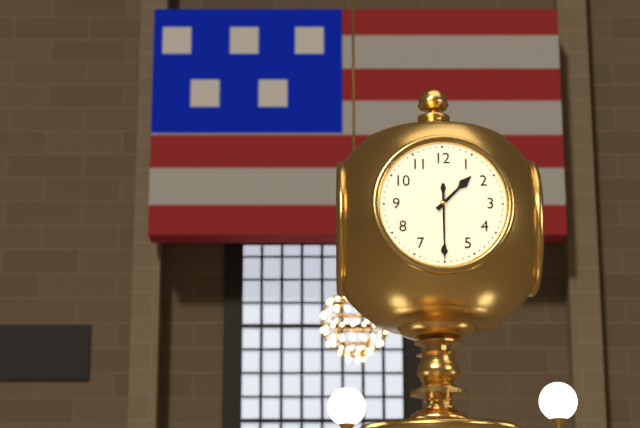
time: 1:30
